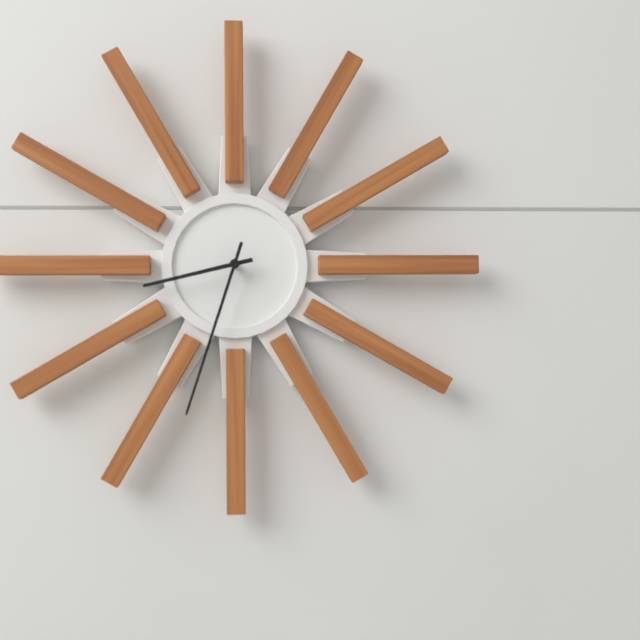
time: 8:33
